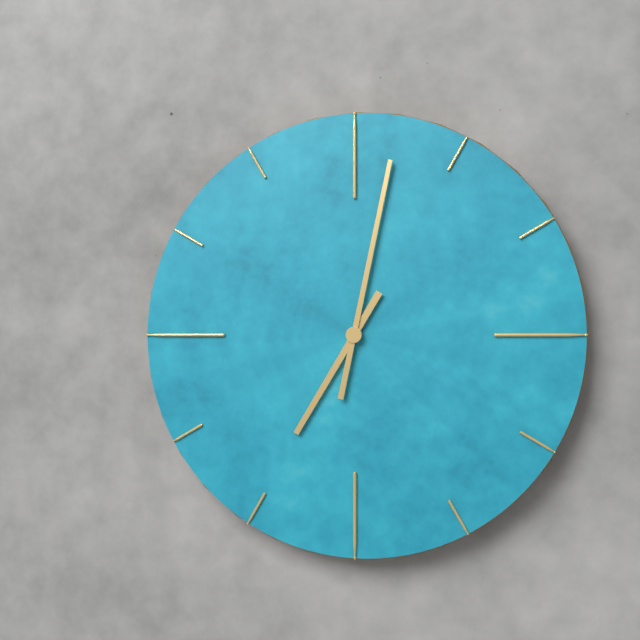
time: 7:02
